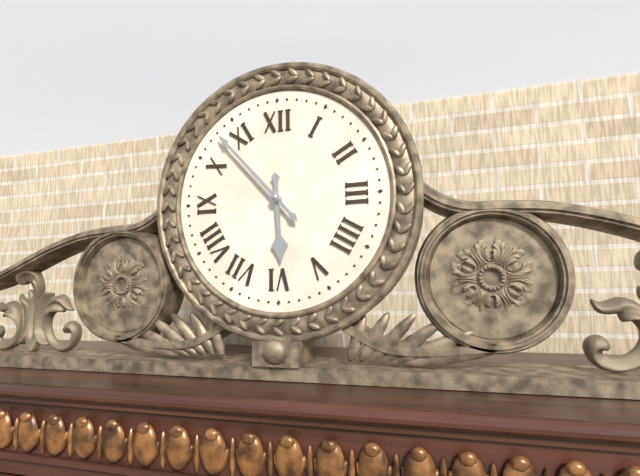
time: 5:53
